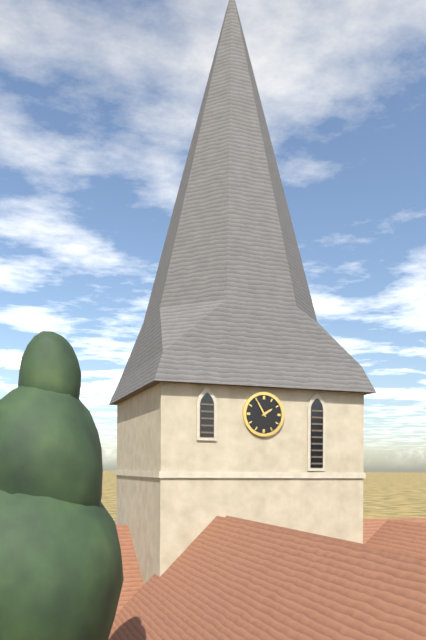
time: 1:55
